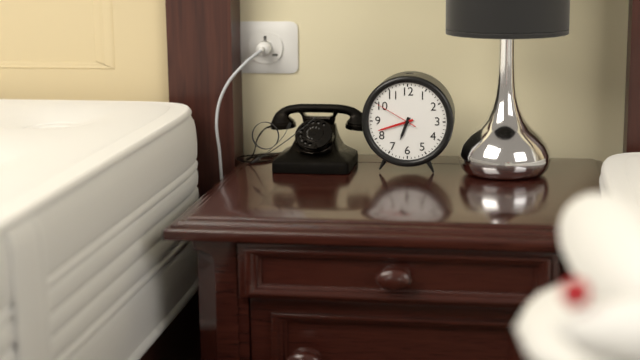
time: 6:42
